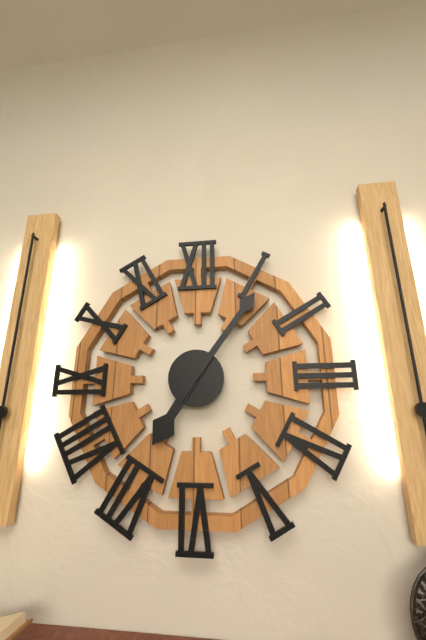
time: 7:06
